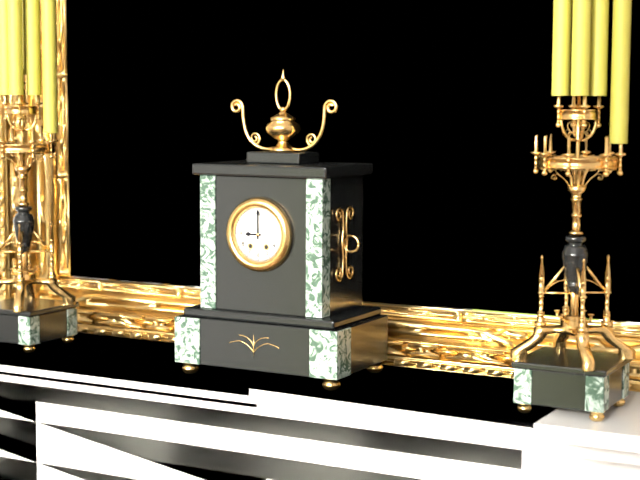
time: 9:00
